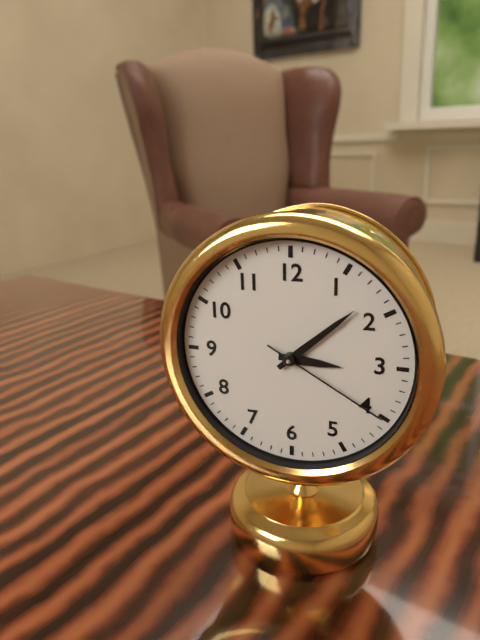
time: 3:08:20
